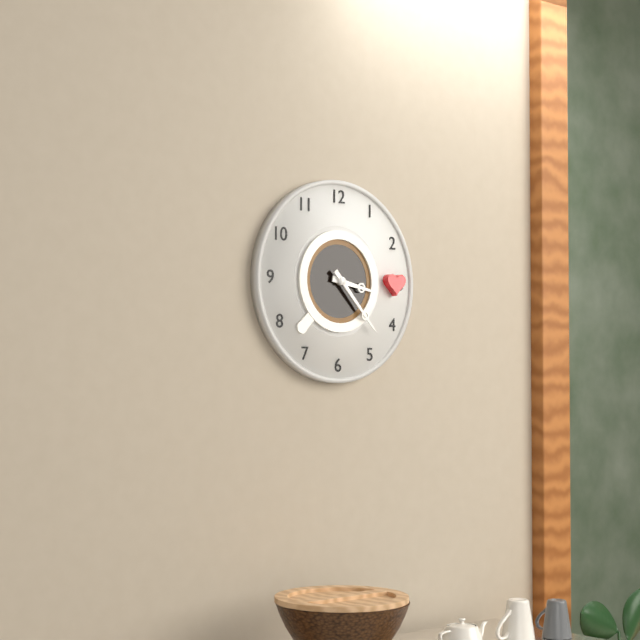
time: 3:23
